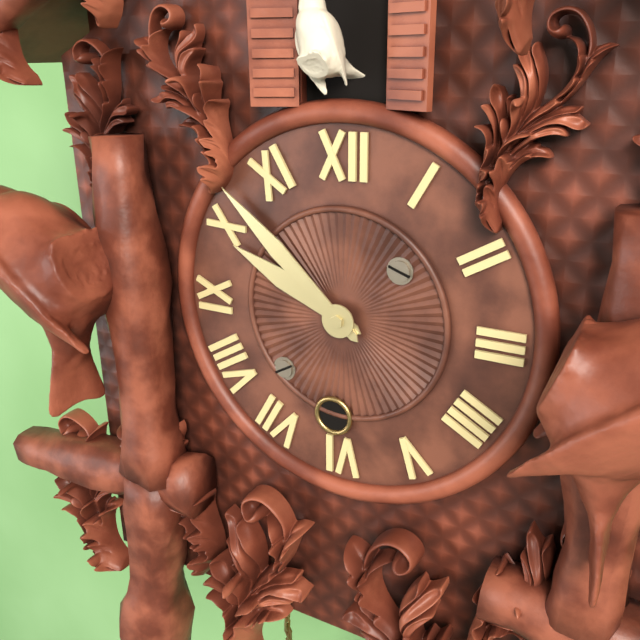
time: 9:52
